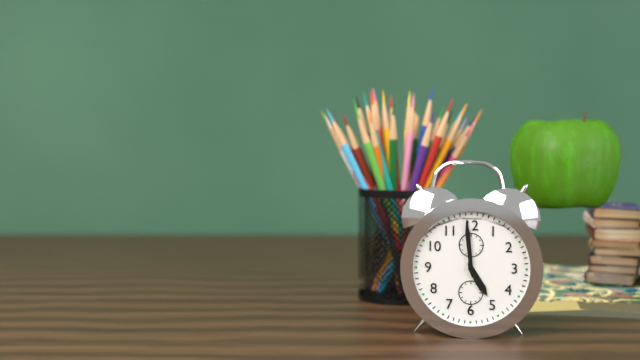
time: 4:59
